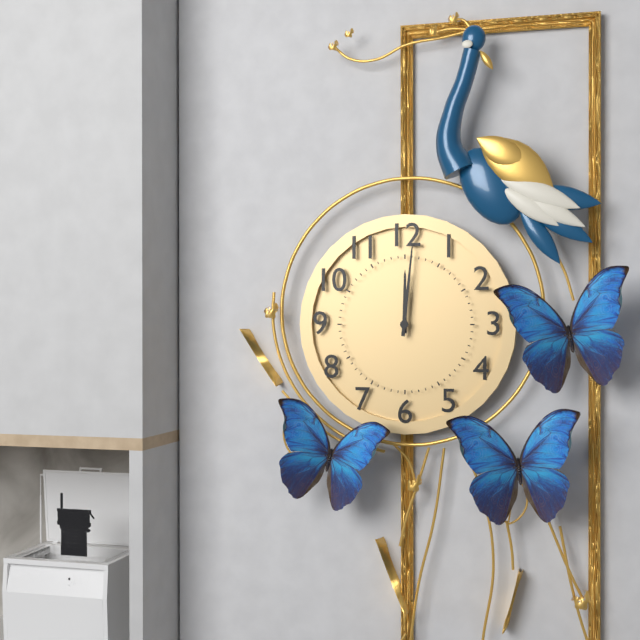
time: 12:01
